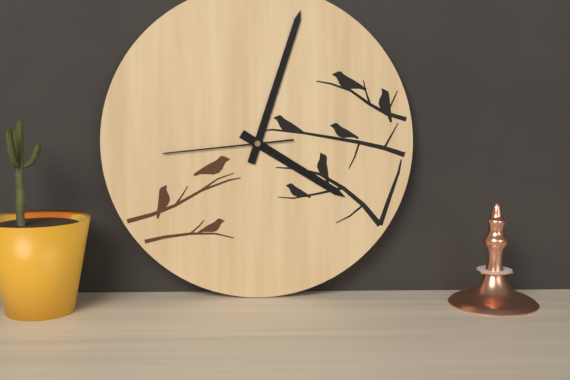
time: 4:03:44
